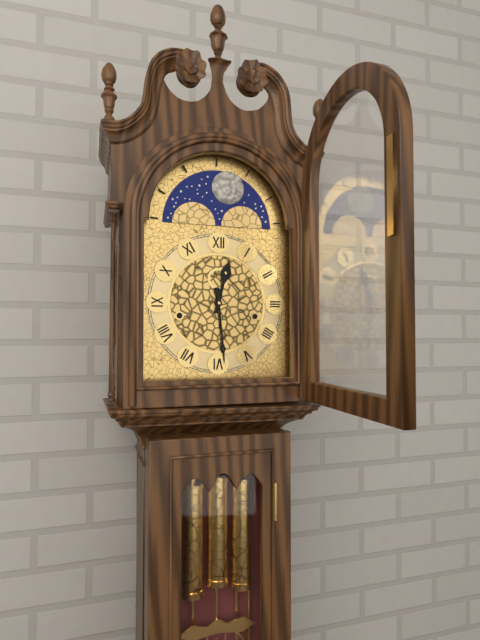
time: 12:29
